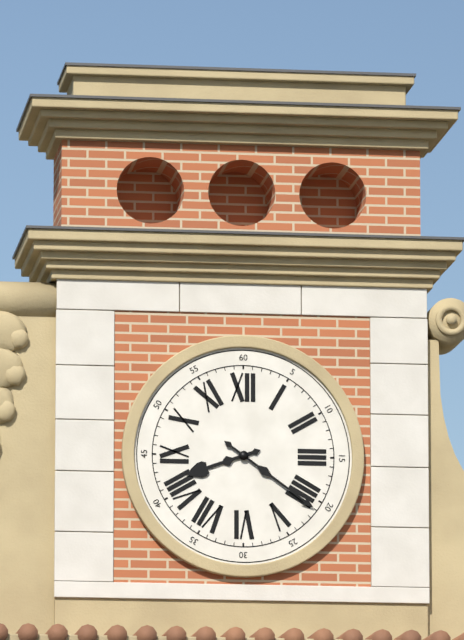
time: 8:21
